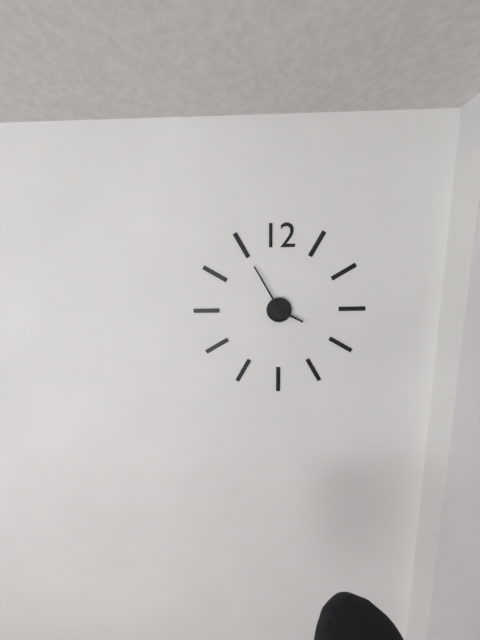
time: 3:55
